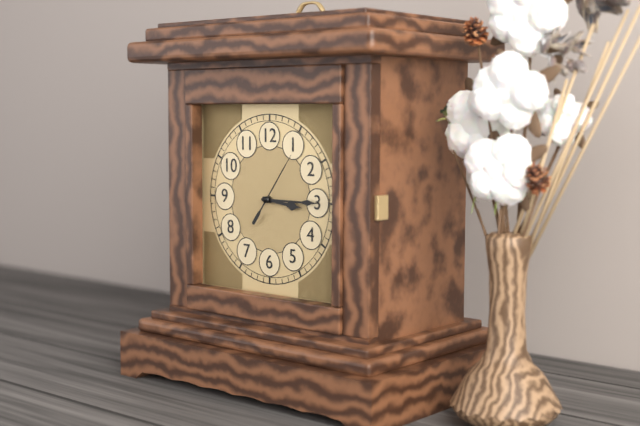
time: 3:15:06
